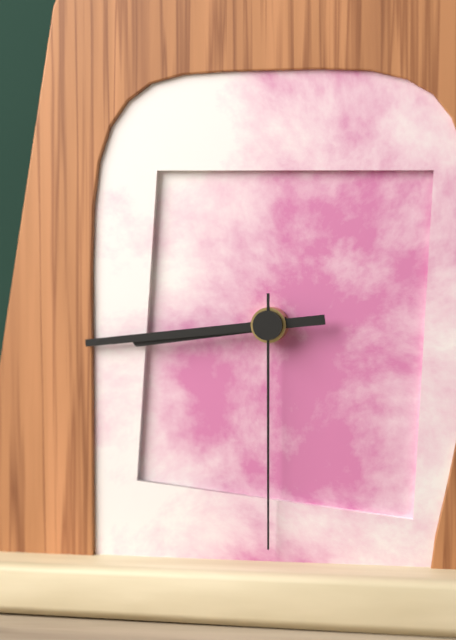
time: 8:44:30
